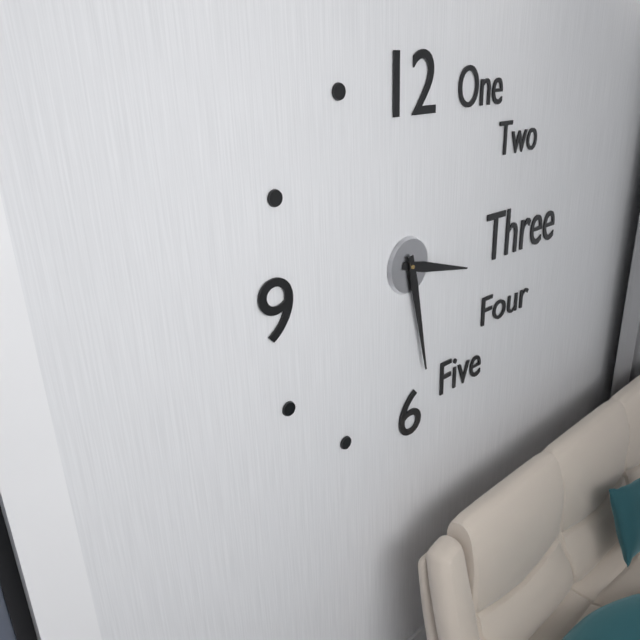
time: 3:28
